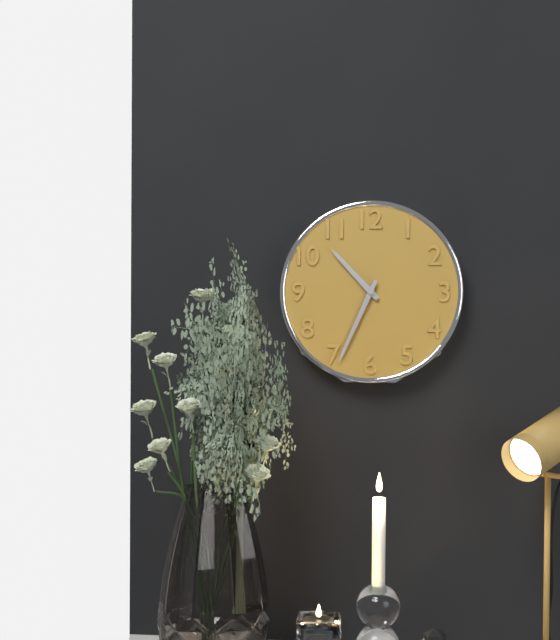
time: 10:34
